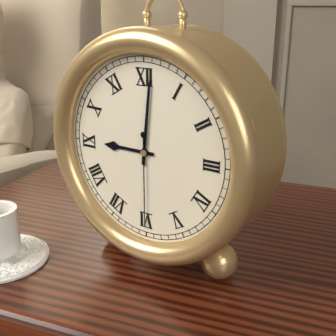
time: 9:01:30
